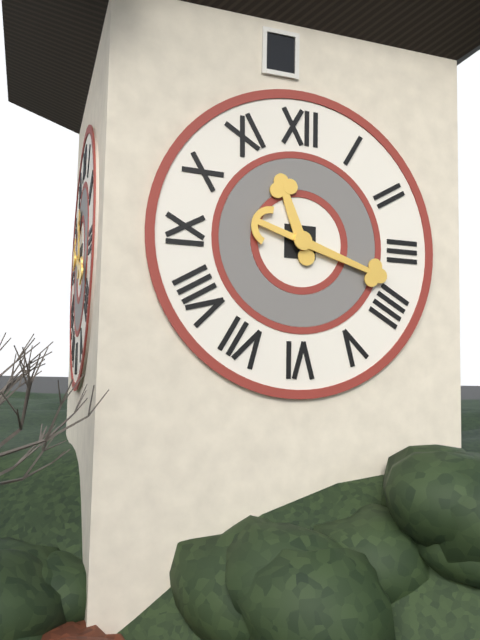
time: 11:18
